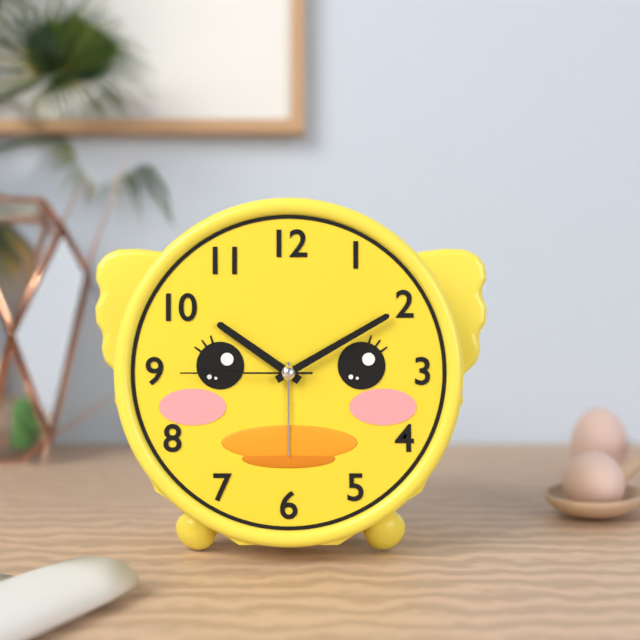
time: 10:10:45
